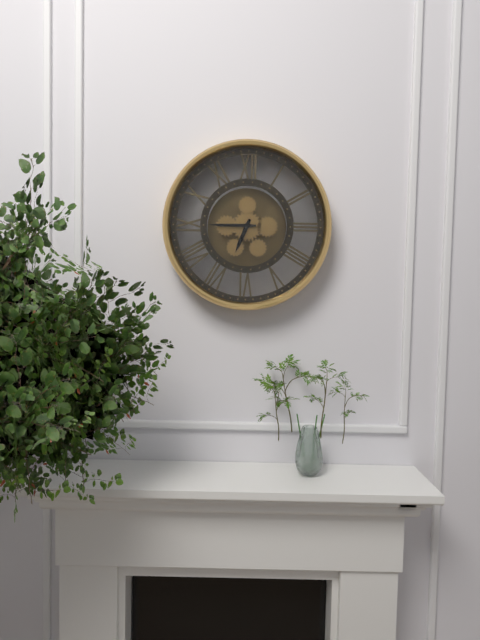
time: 6:45
